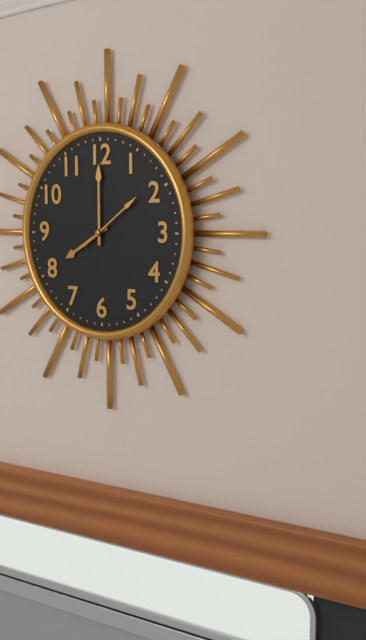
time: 8:00:09
